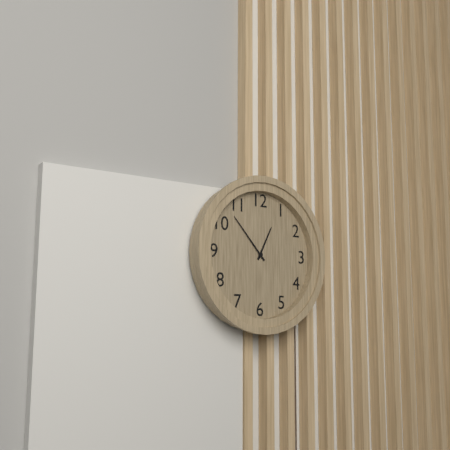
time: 12:53
